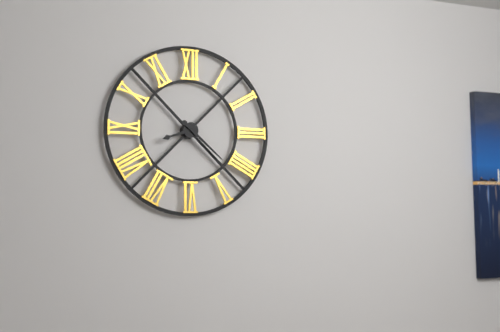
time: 8:22
